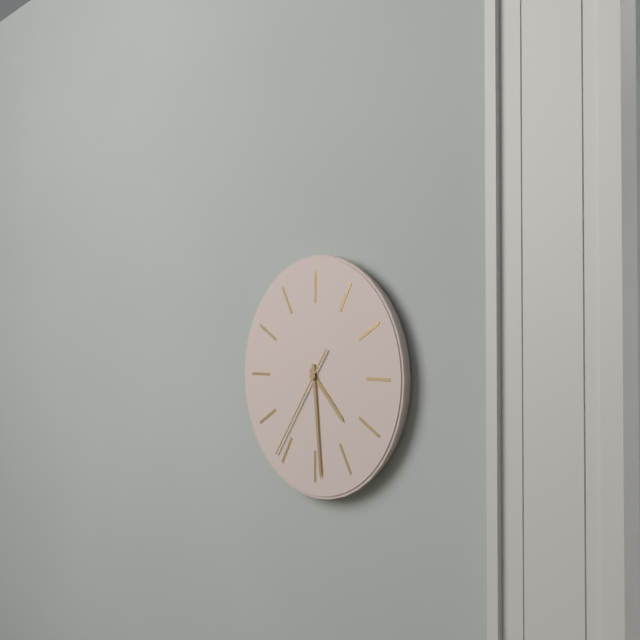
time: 4:29:36
